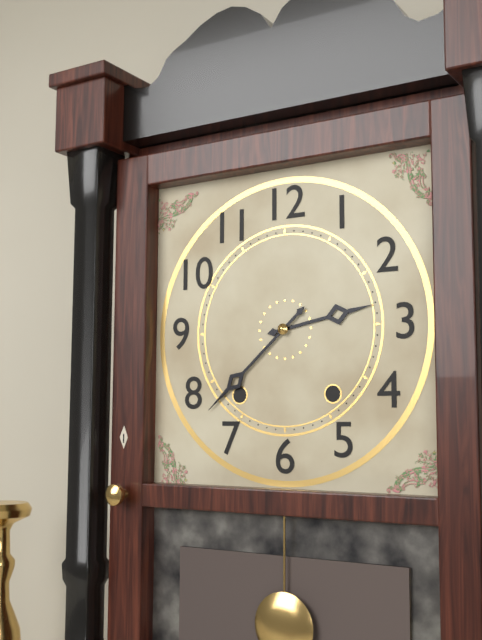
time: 2:38
